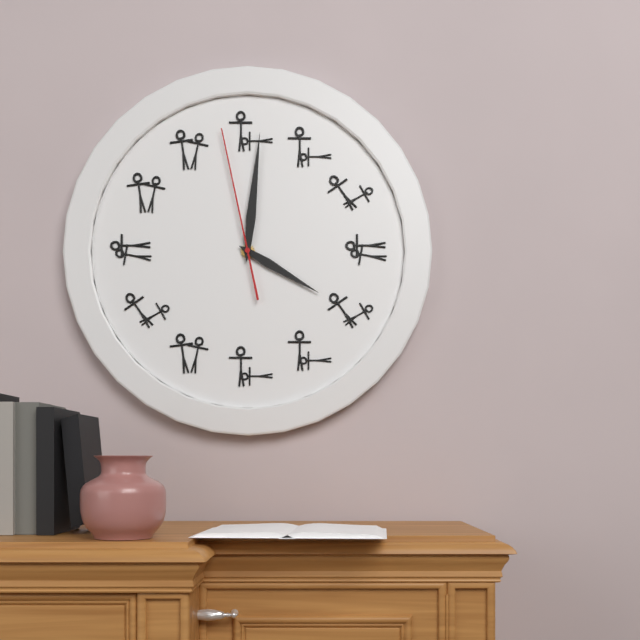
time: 4:01:58
